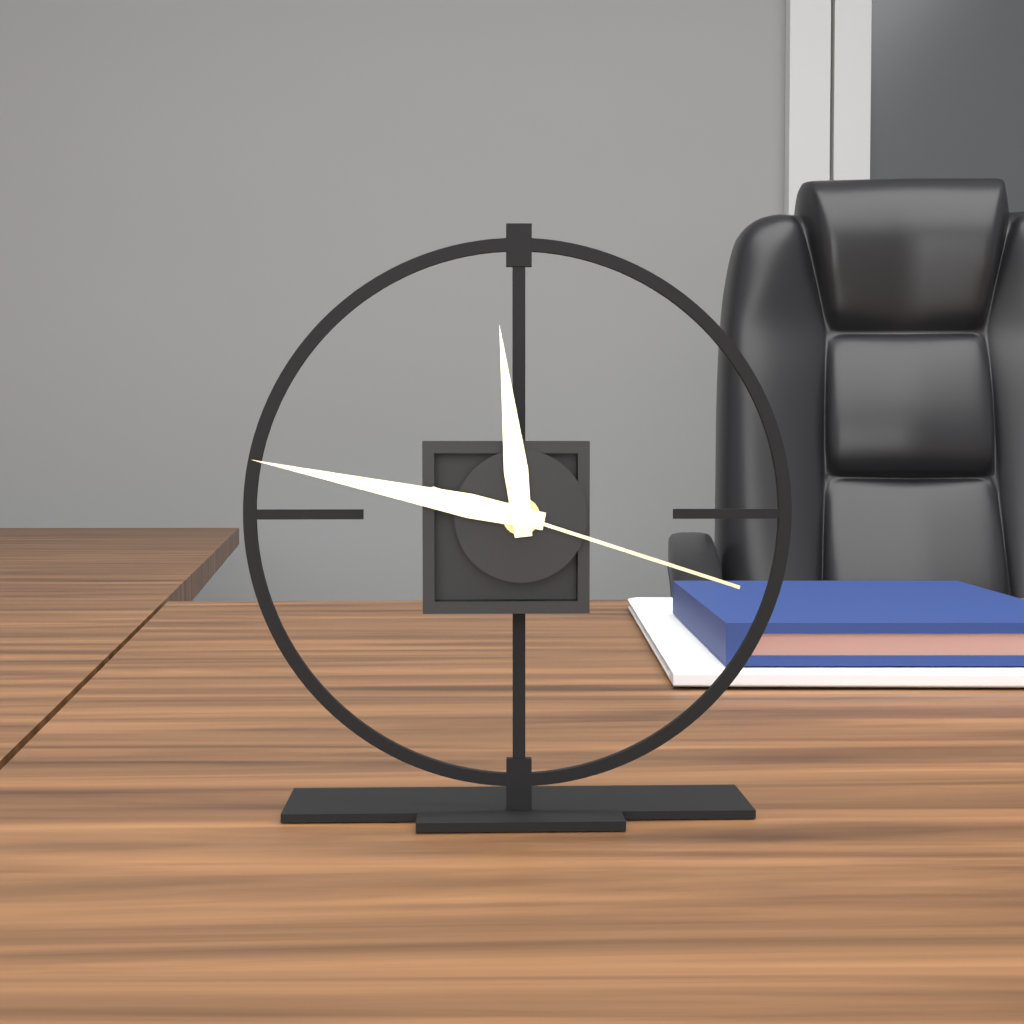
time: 11:47:18
